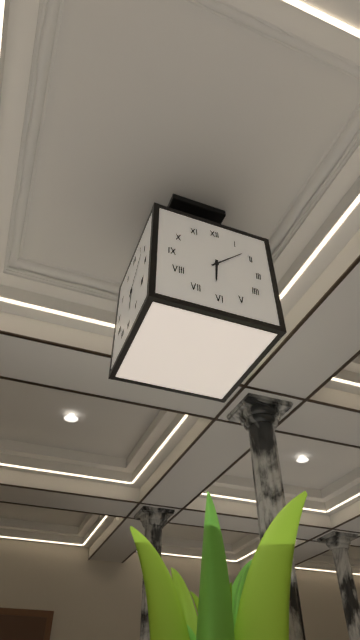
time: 6:08
